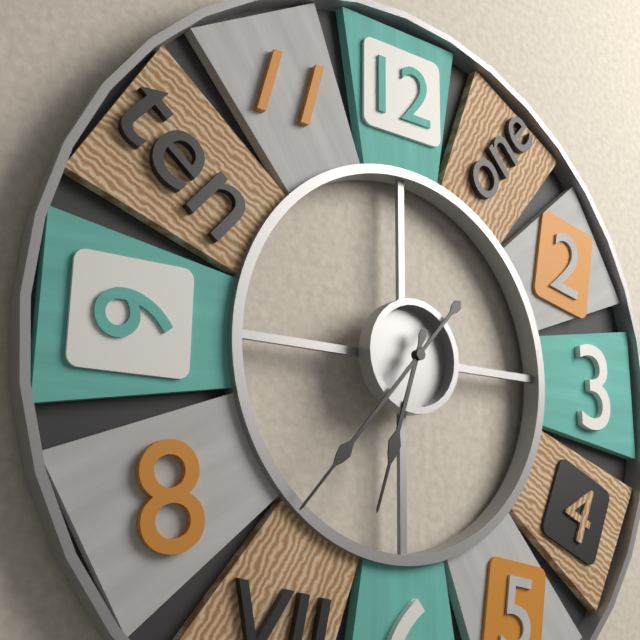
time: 6:37
